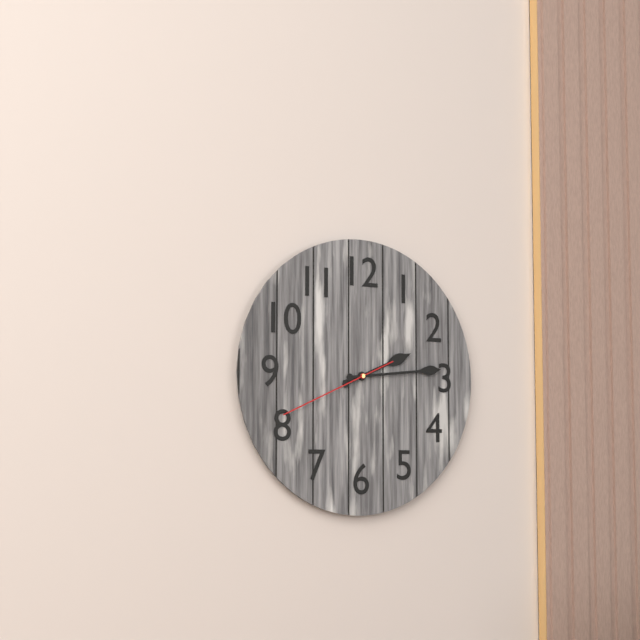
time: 2:14:41
